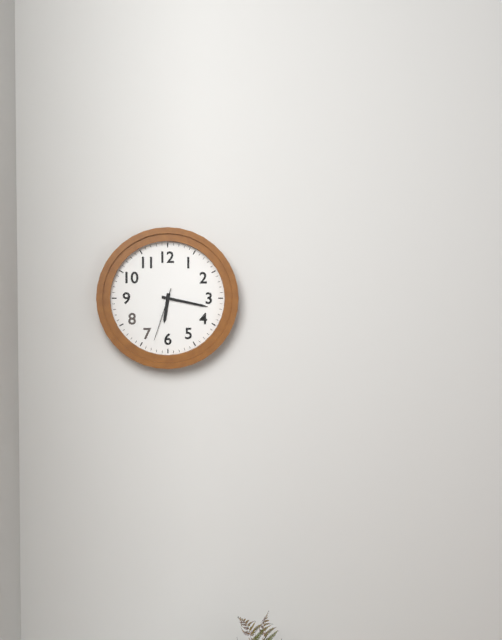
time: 6:17:33
